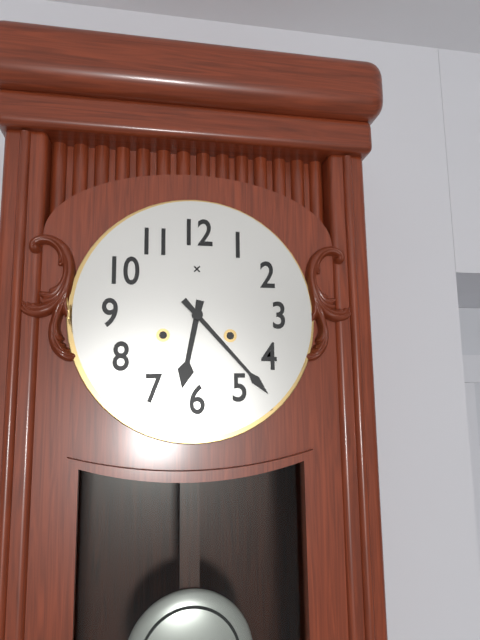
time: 6:23
